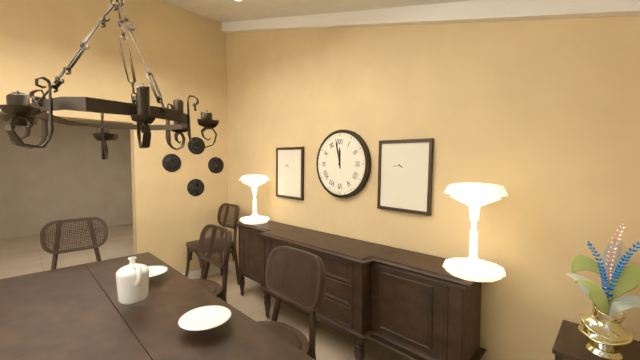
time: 11:58
